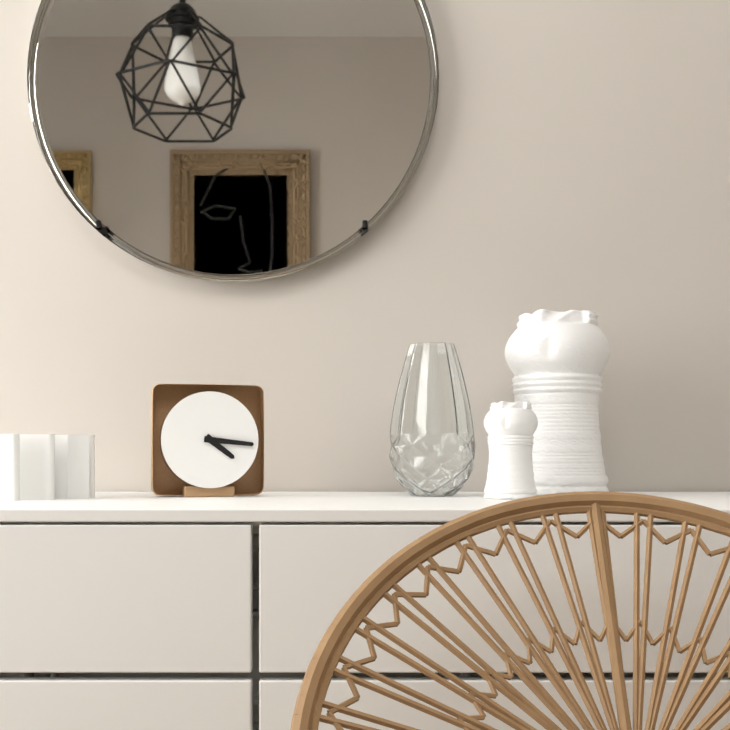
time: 4:16
